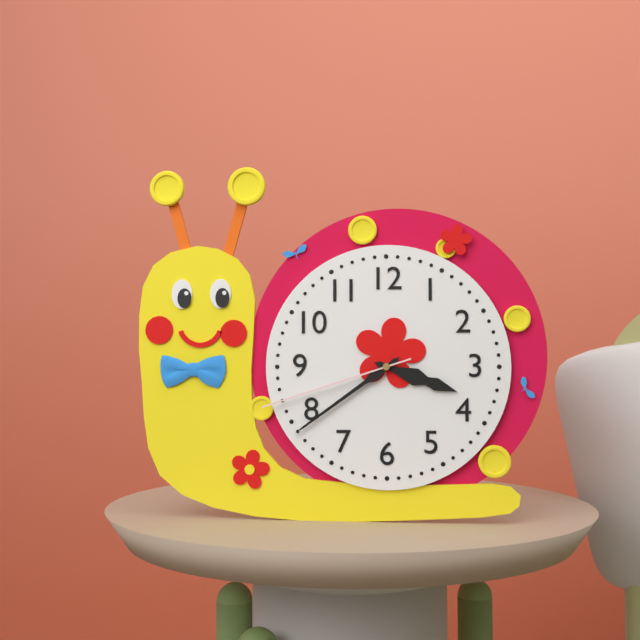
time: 3:39:42
